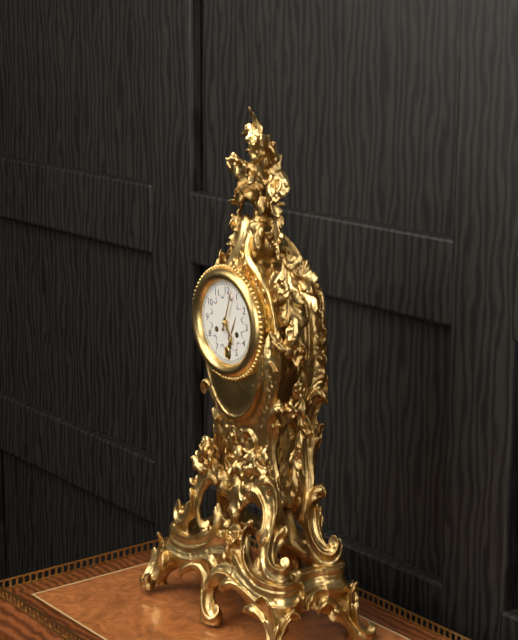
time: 5:03
